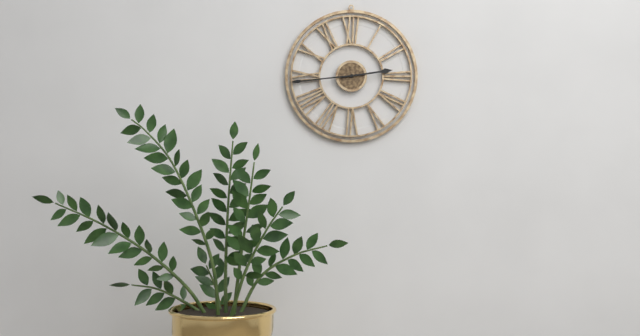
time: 2:44
